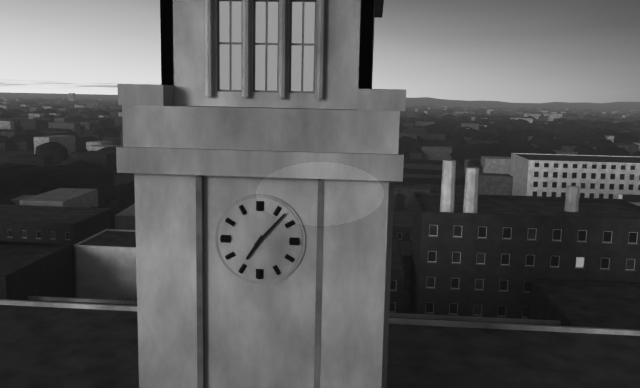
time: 7:07
